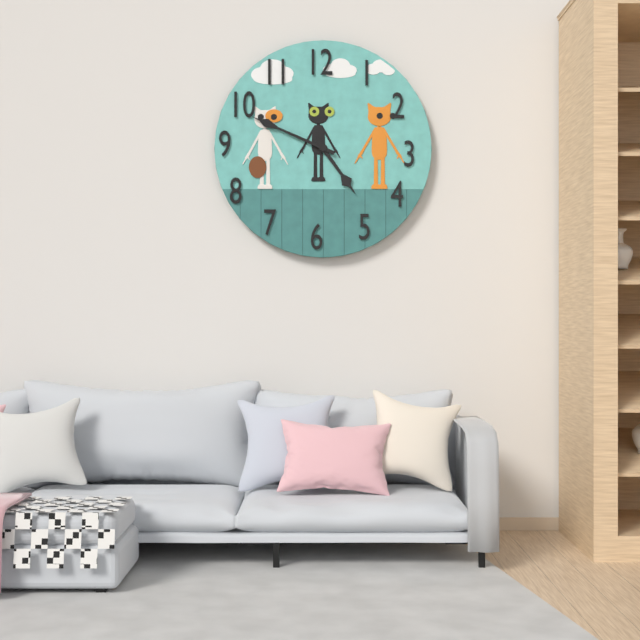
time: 4:49
